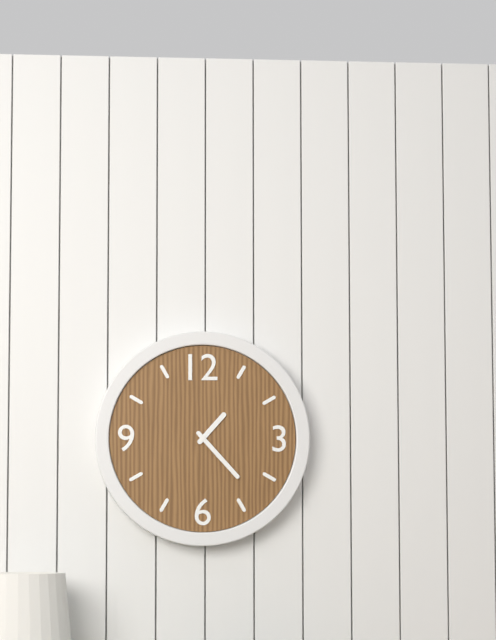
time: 1:23
